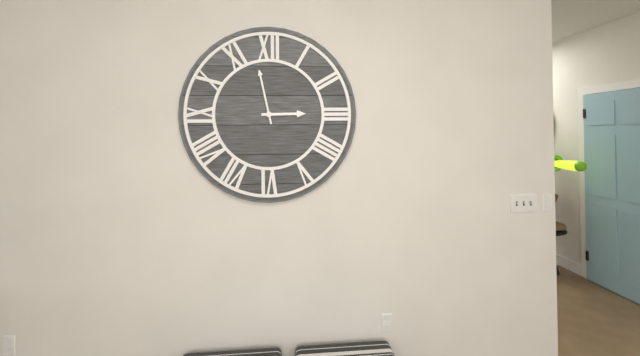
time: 2:58
